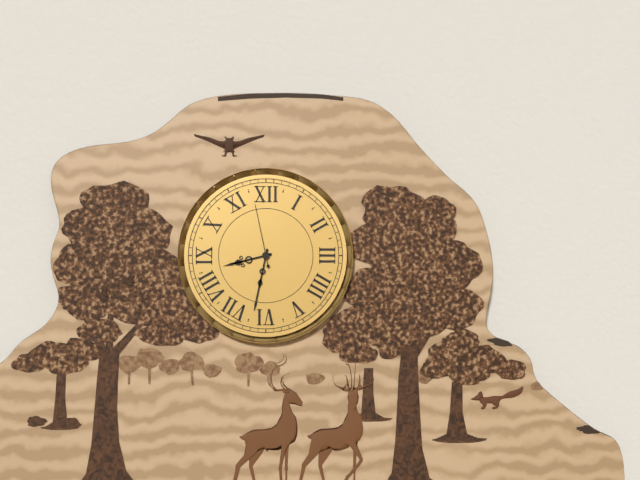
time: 8:32:58
